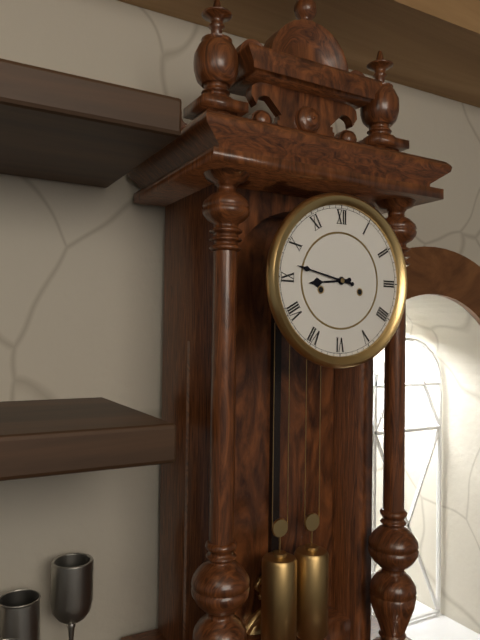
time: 8:47
